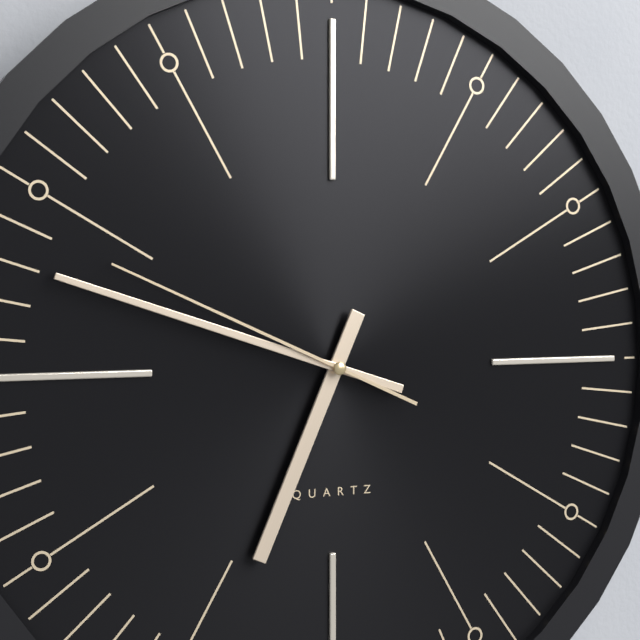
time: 6:48:49
